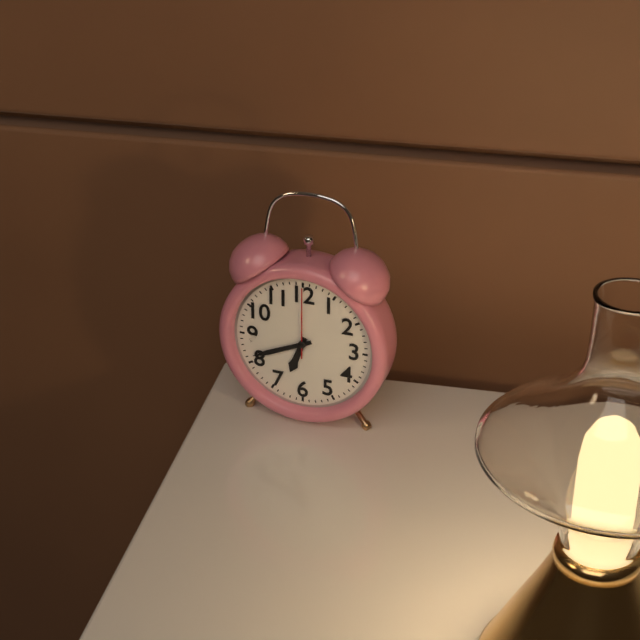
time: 6:41:00
